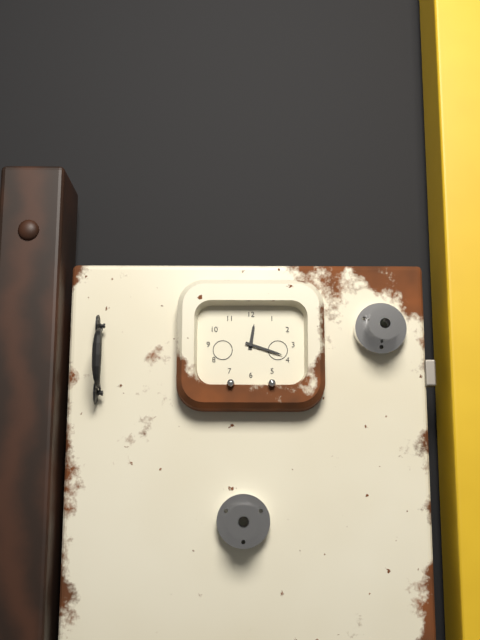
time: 12:18
